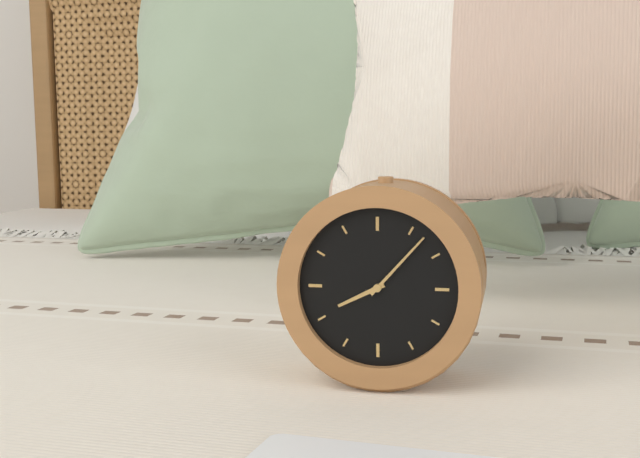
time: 8:07
